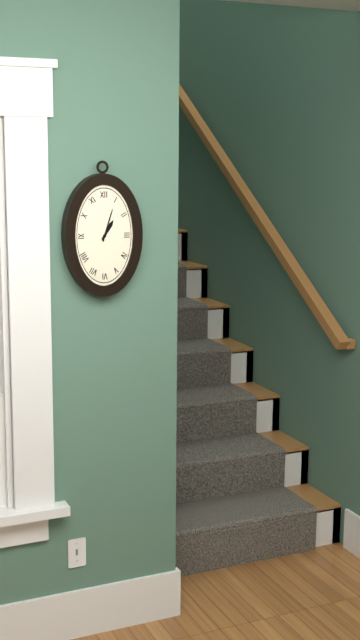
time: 1:03
